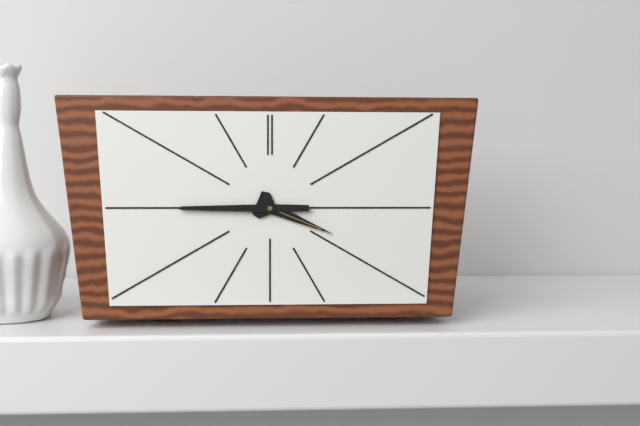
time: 3:45
